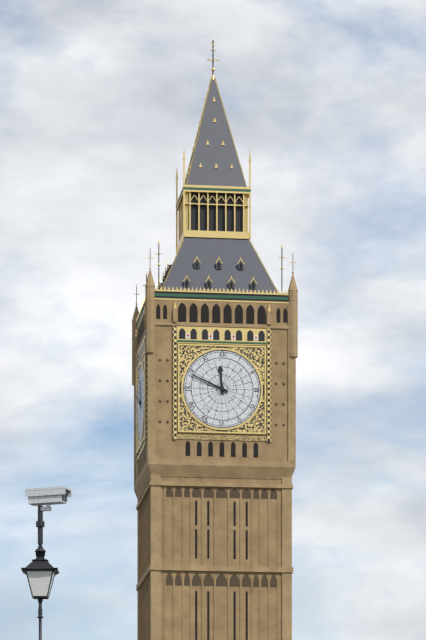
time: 11:49
